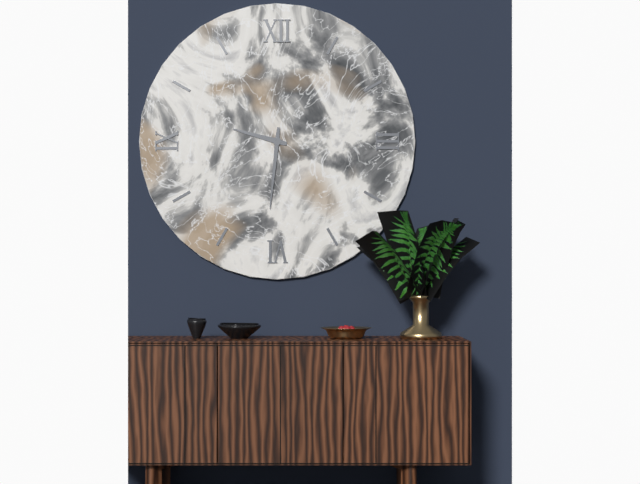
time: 9:31
